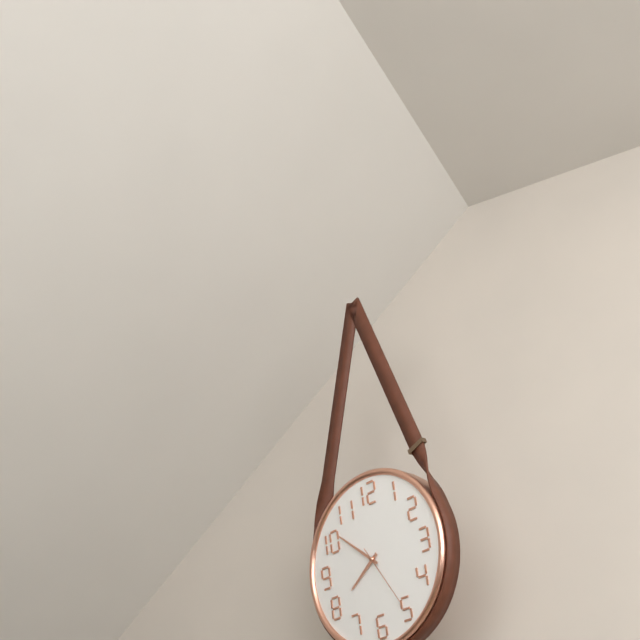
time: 7:52:25
